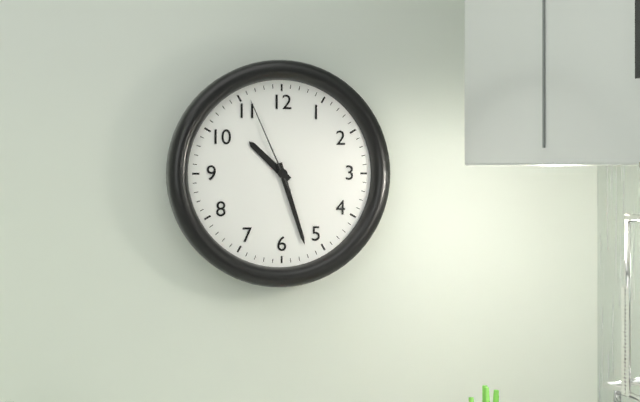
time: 10:27:56
